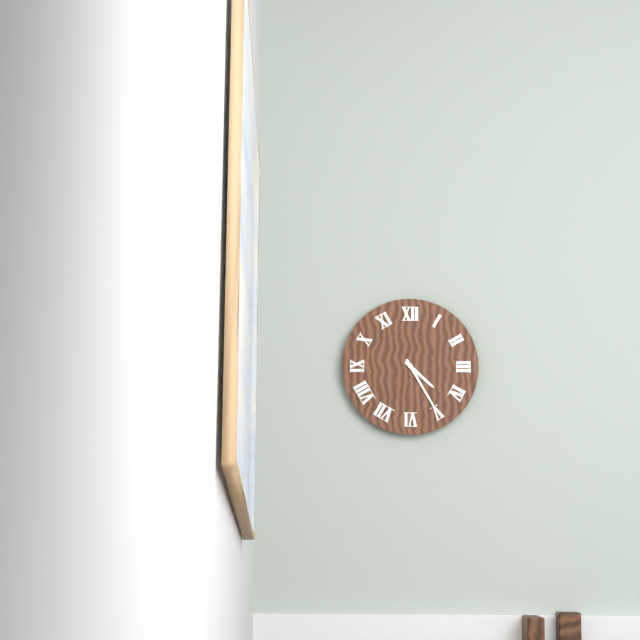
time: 4:25
